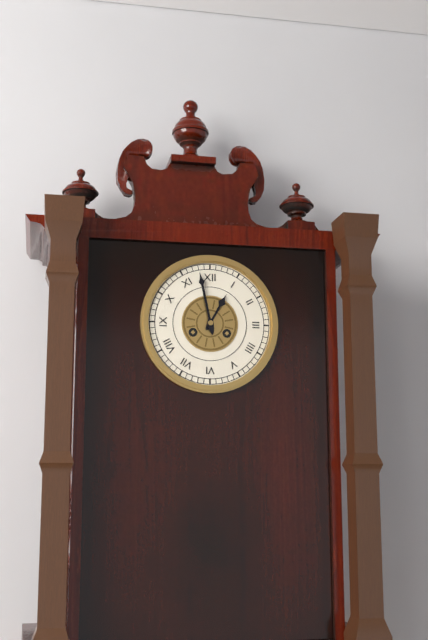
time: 12:58
